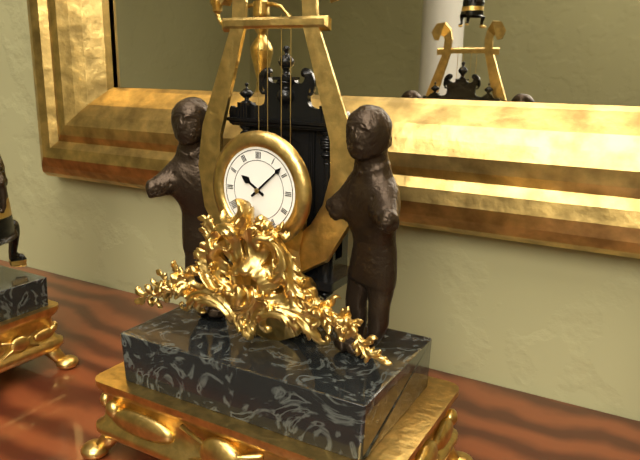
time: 10:08
